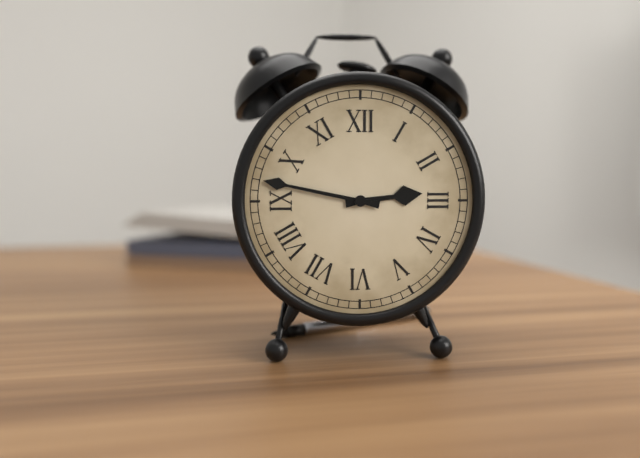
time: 2:47
